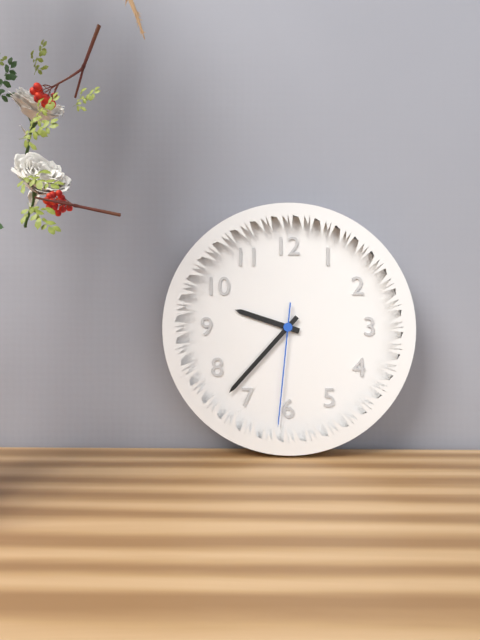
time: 9:37:31
